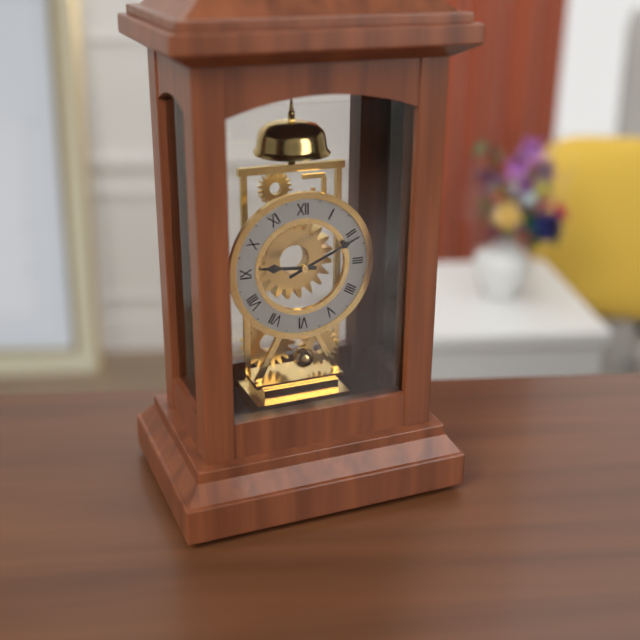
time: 9:11
